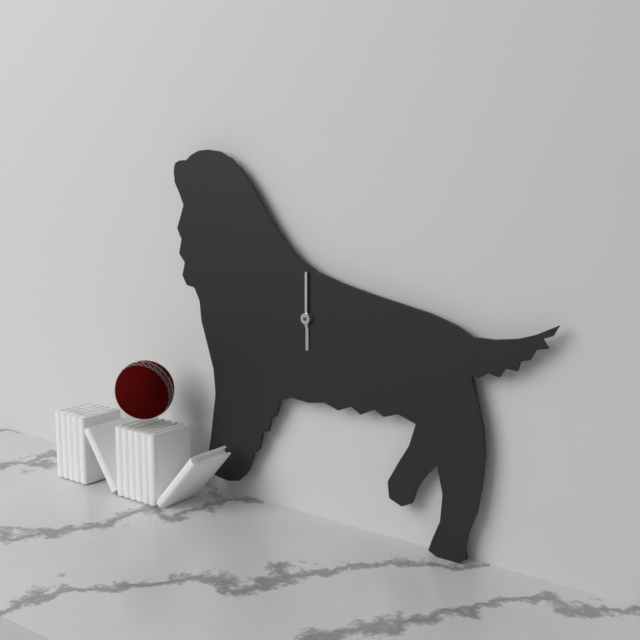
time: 6:00
